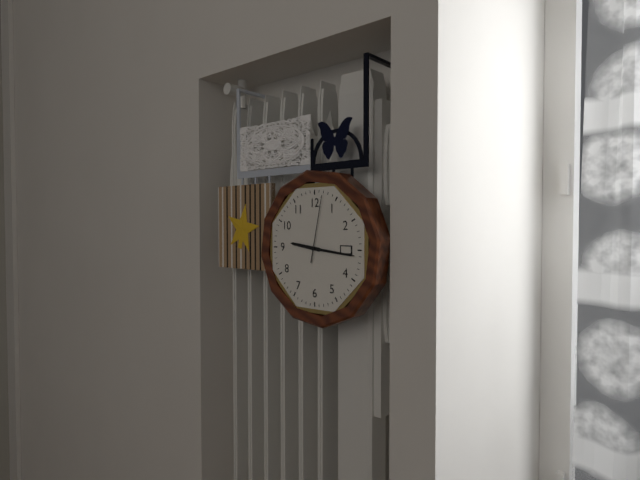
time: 9:16:02
